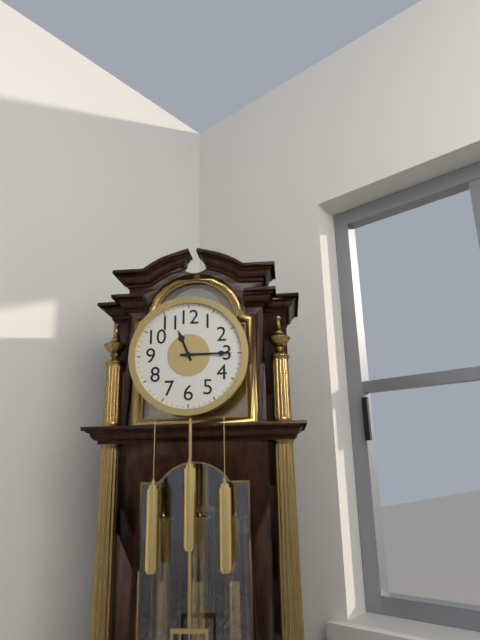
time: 11:15
